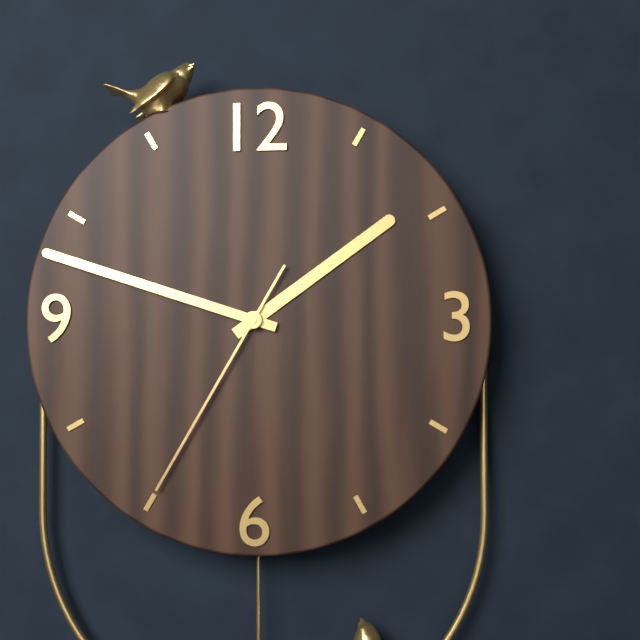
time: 1:48:35
